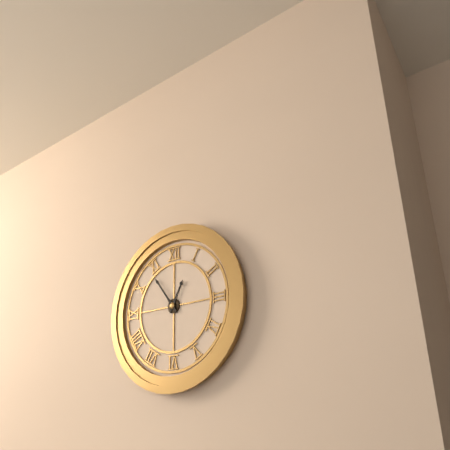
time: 12:54
